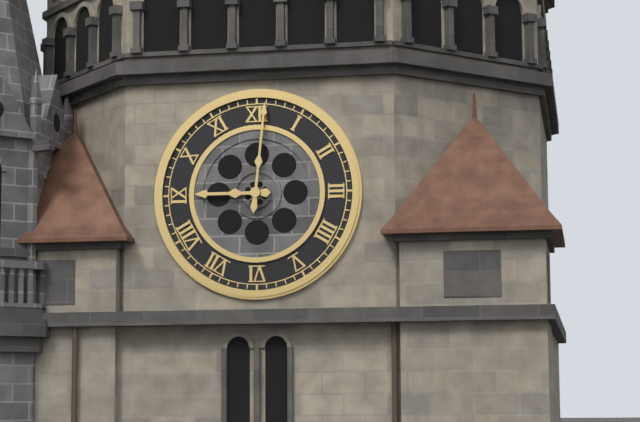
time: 9:01
